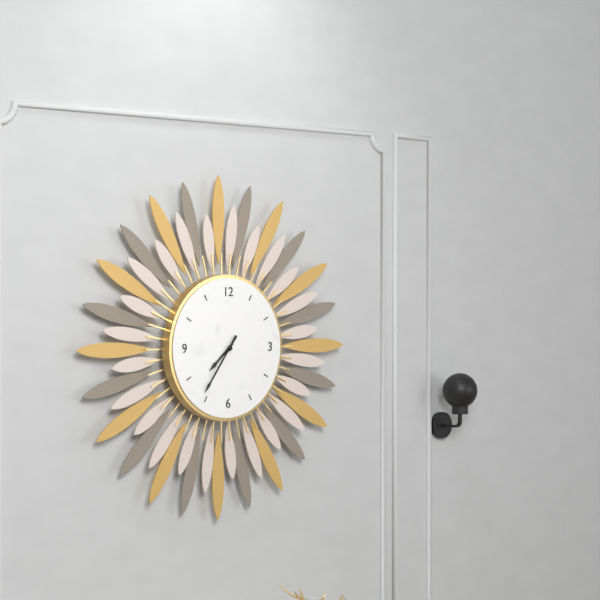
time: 7:36
